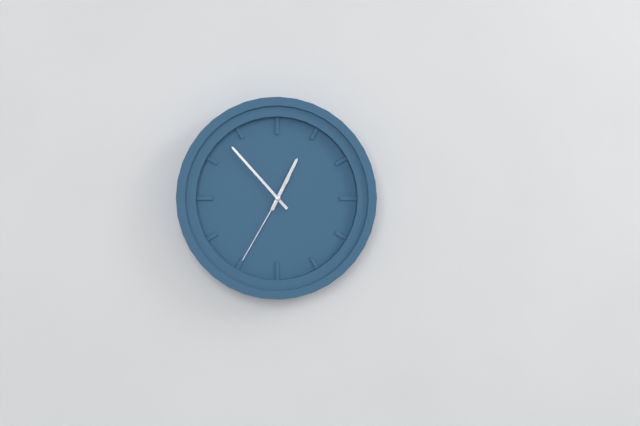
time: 12:53:35
